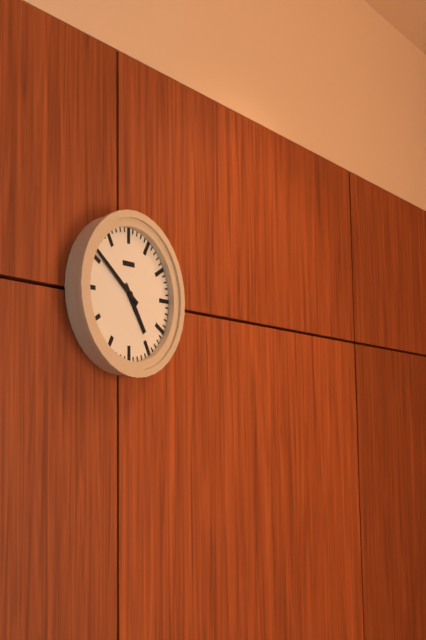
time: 4:51
